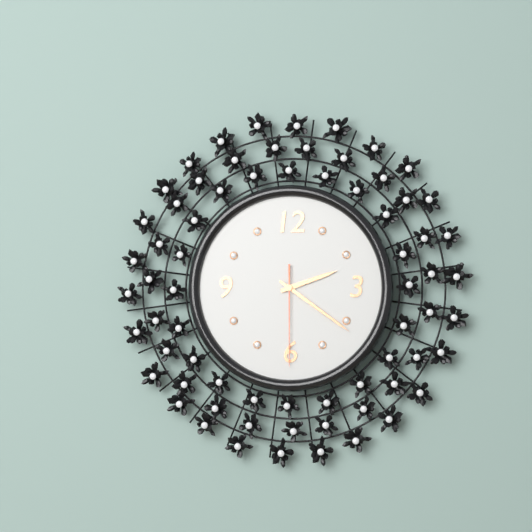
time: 2:21:30
